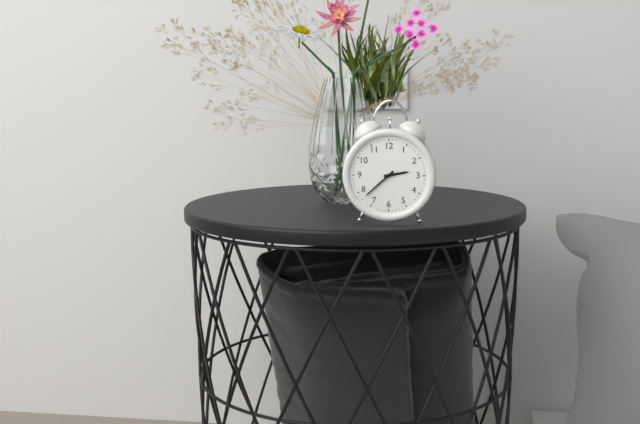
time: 2:38
